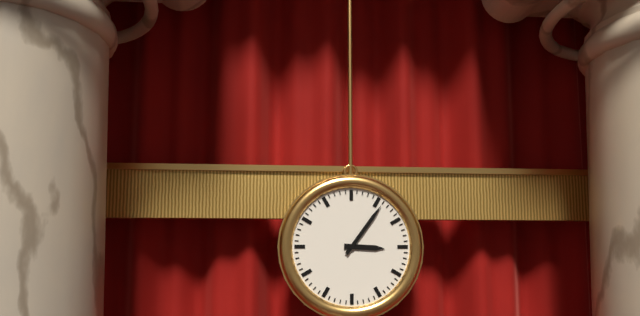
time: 3:06
